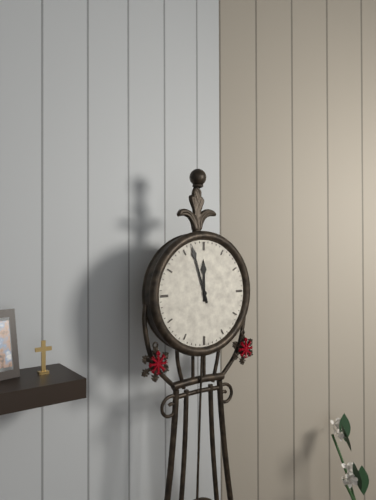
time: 11:57
